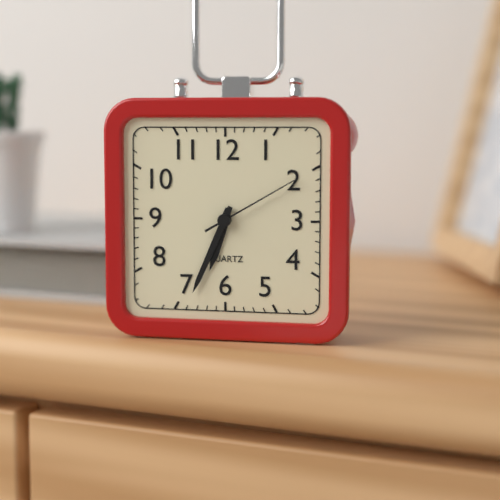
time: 6:34:10
